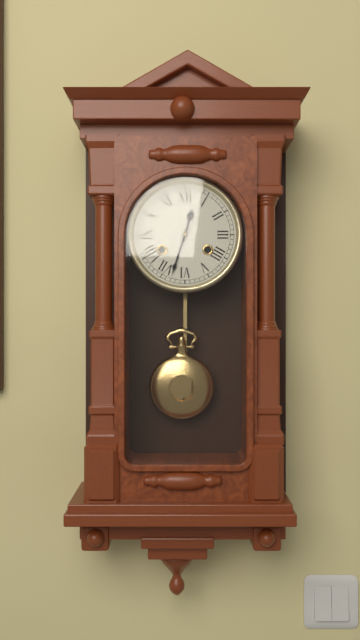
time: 12:33
